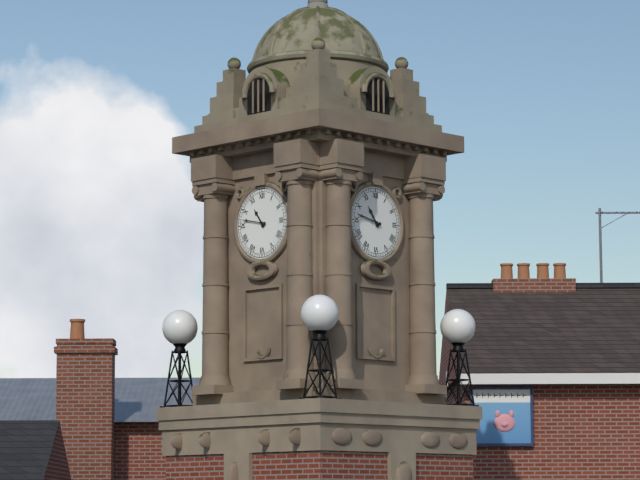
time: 10:47
